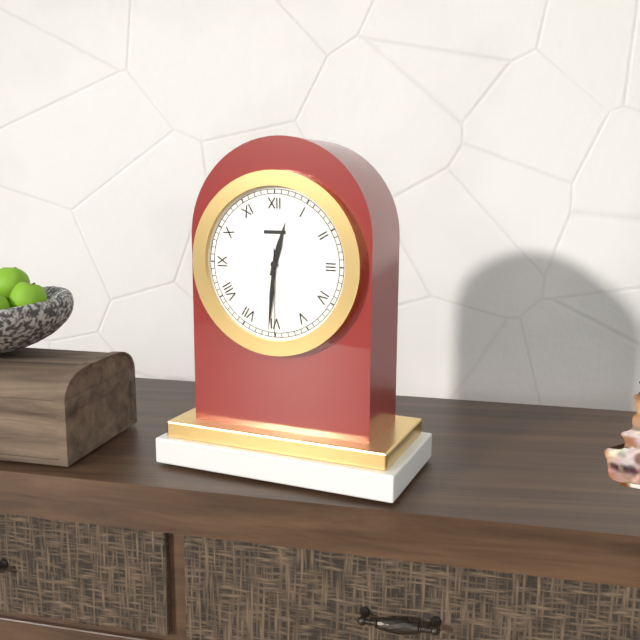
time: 12:31:30
